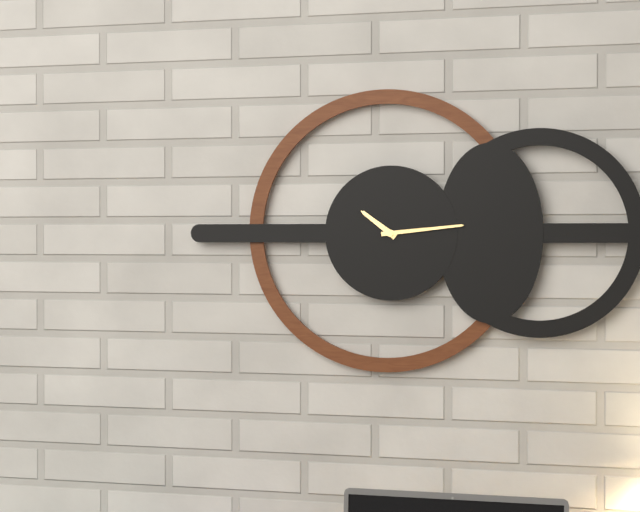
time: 10:14
